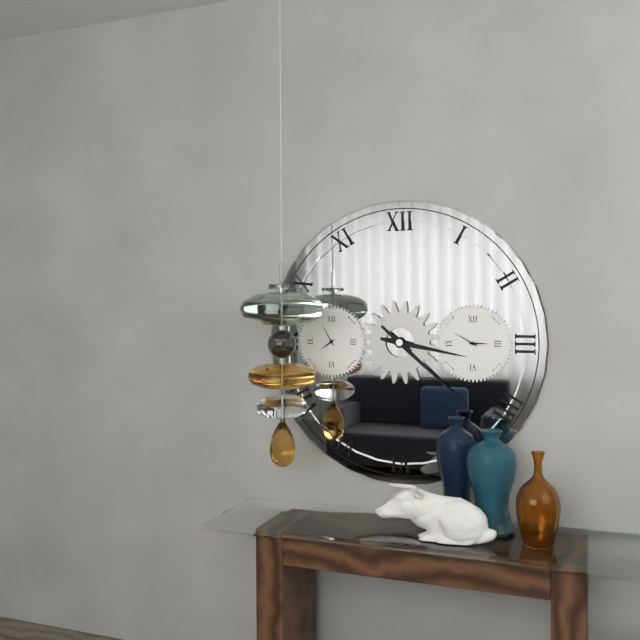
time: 3:22
